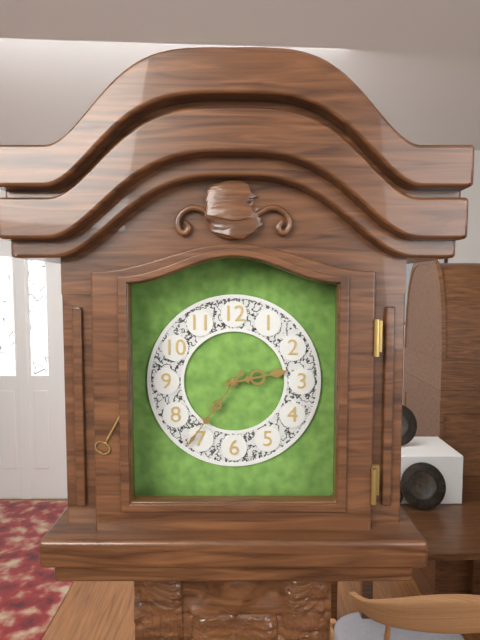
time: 2:36
